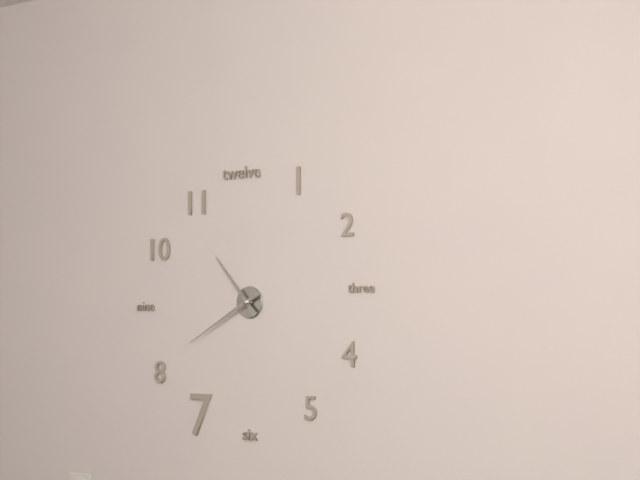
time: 10:40
